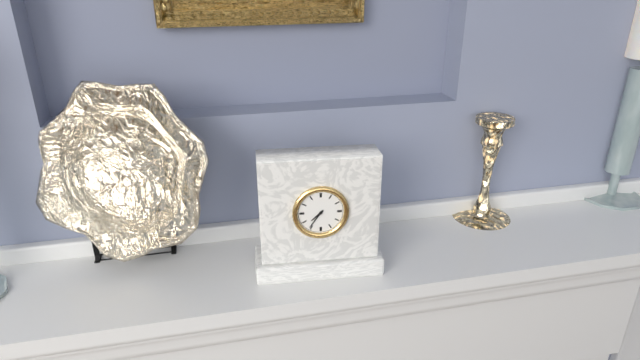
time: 7:36
